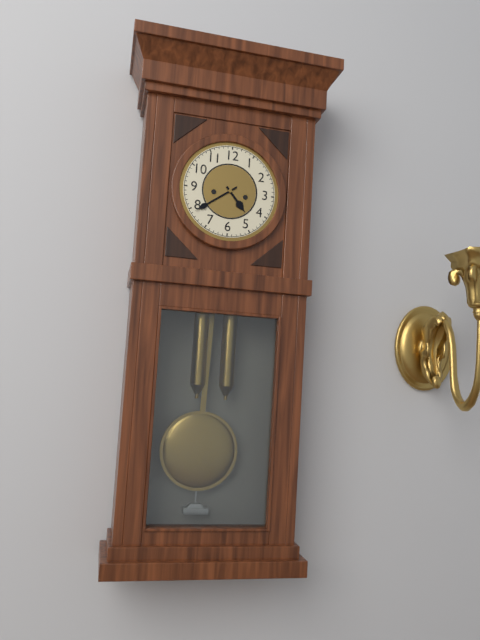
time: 4:39
